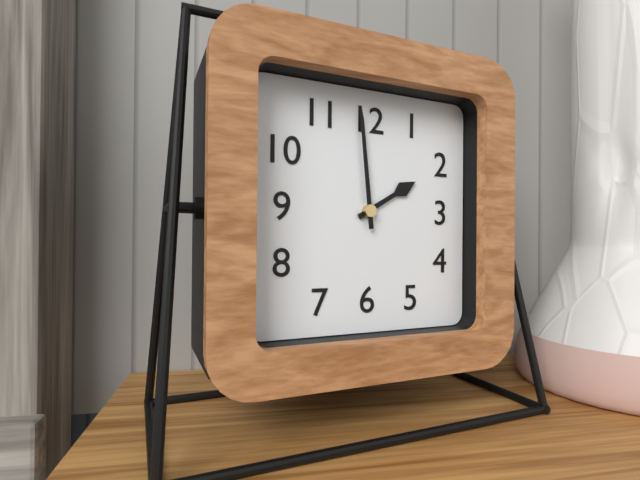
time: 1:59
